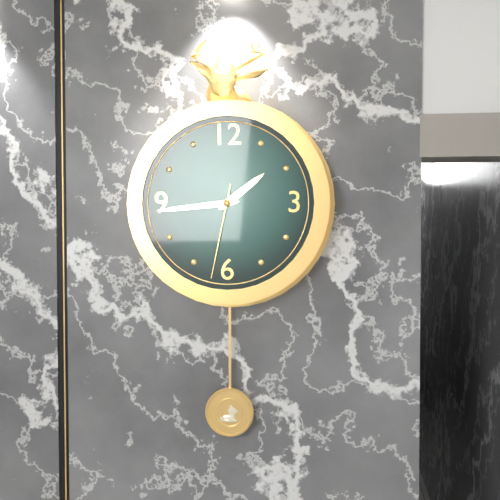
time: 1:44:32
